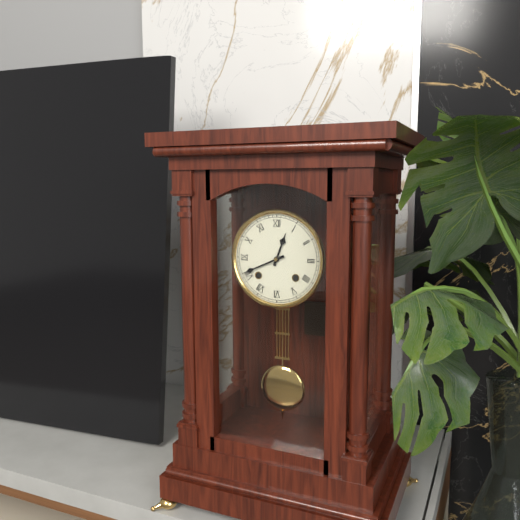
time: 12:41
